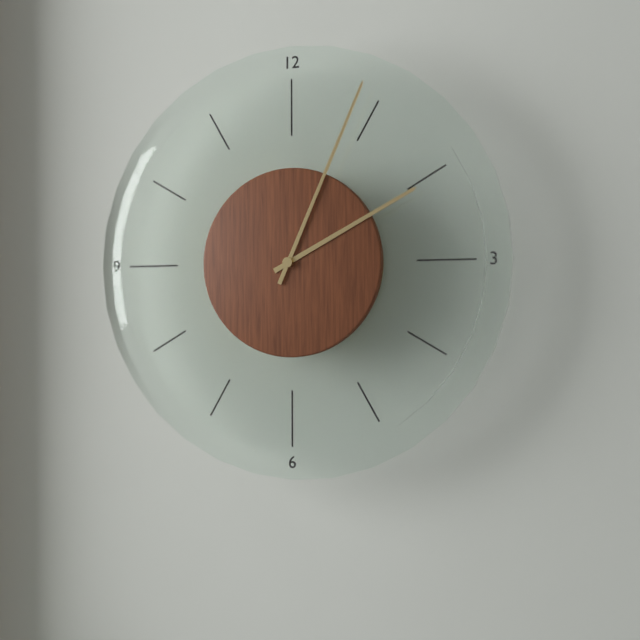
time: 2:04
